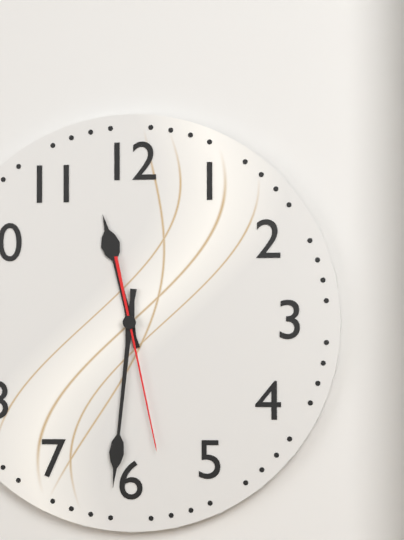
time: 11:31:28
